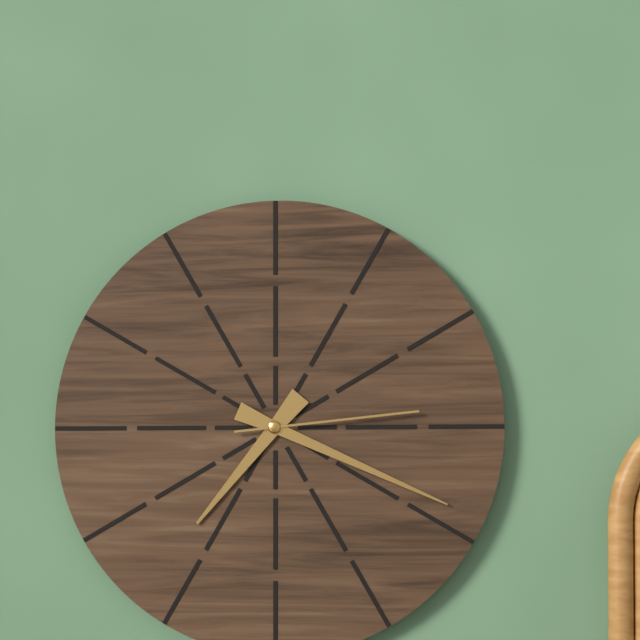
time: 7:19:14
